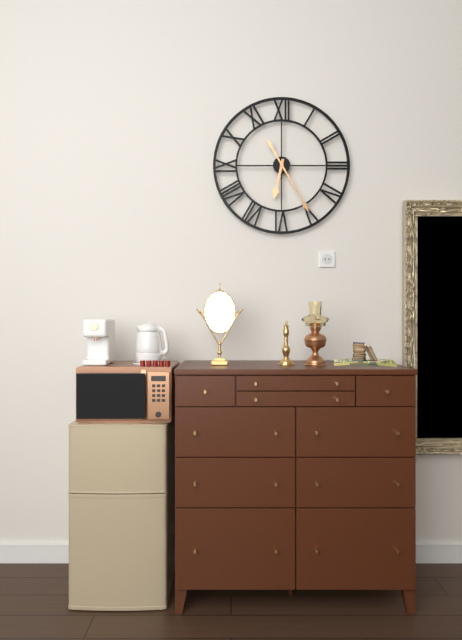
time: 6:25
